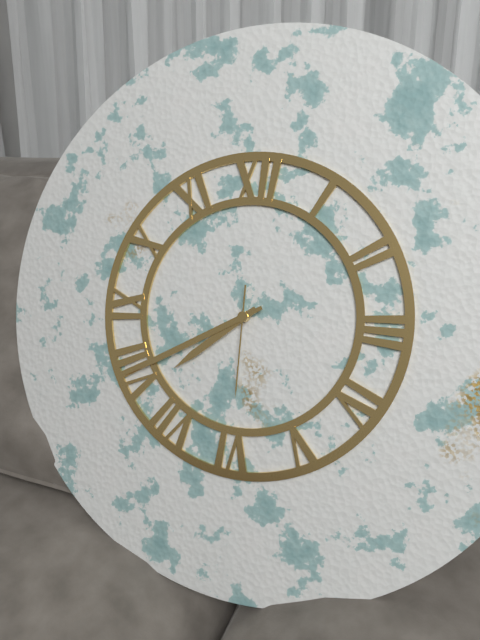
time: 7:40:30
